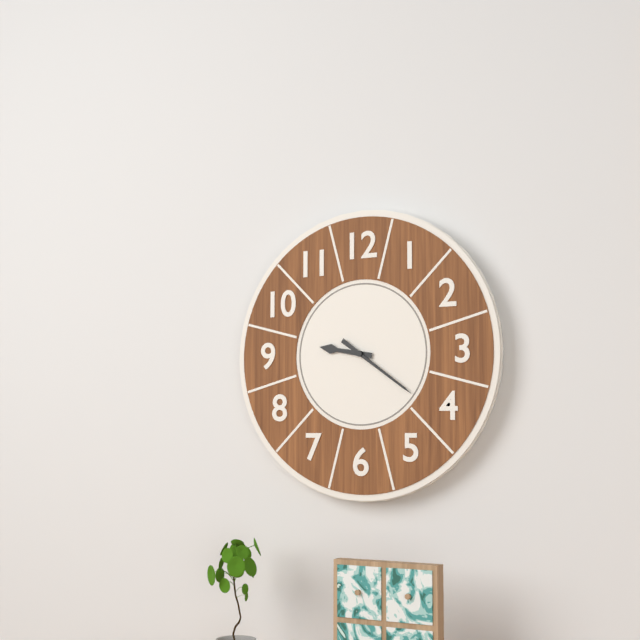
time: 9:21
